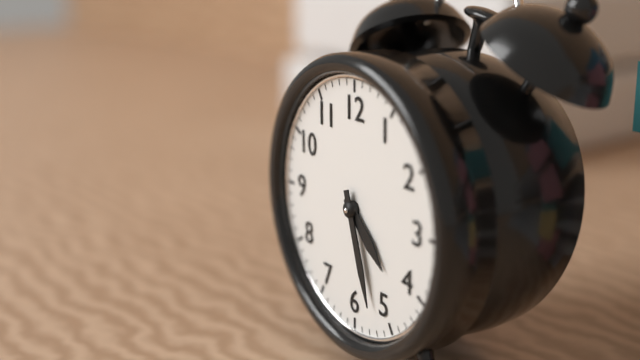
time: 4:27
